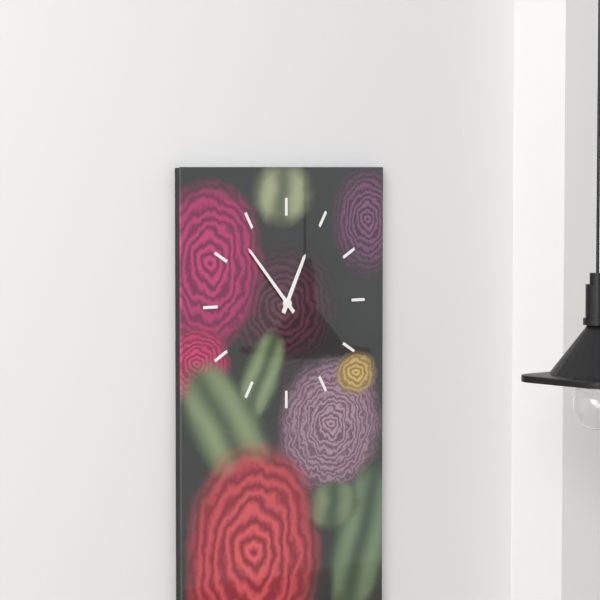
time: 12:53
